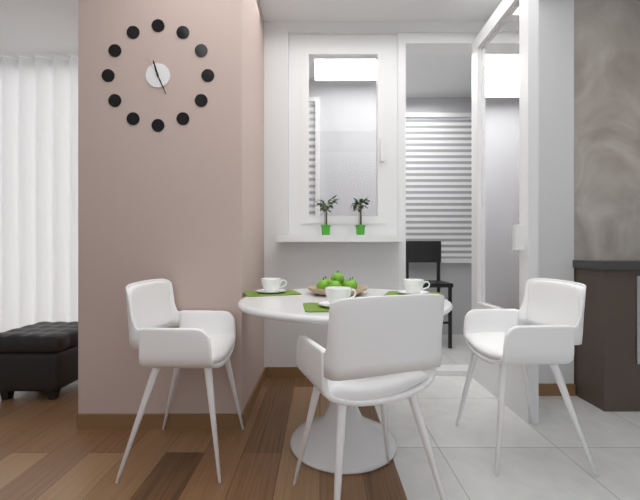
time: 11:26
